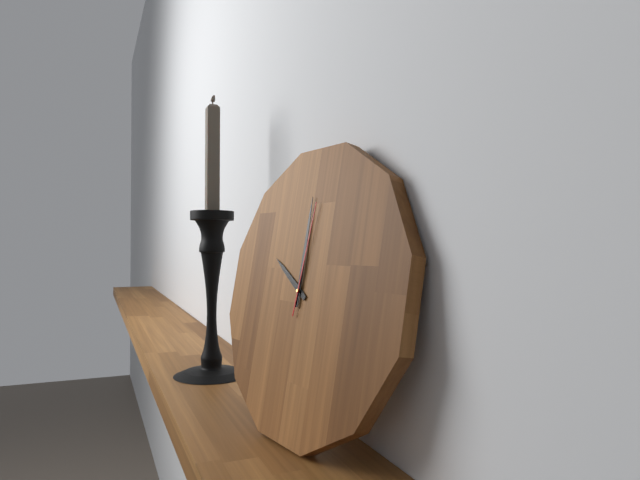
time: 10:00:01
